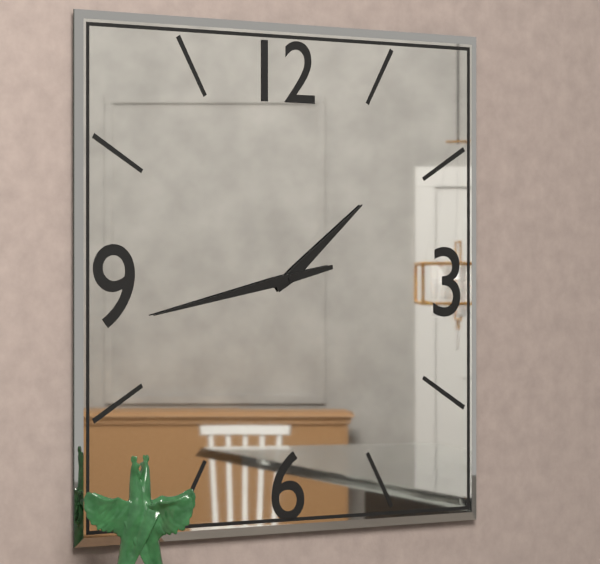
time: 1:43
